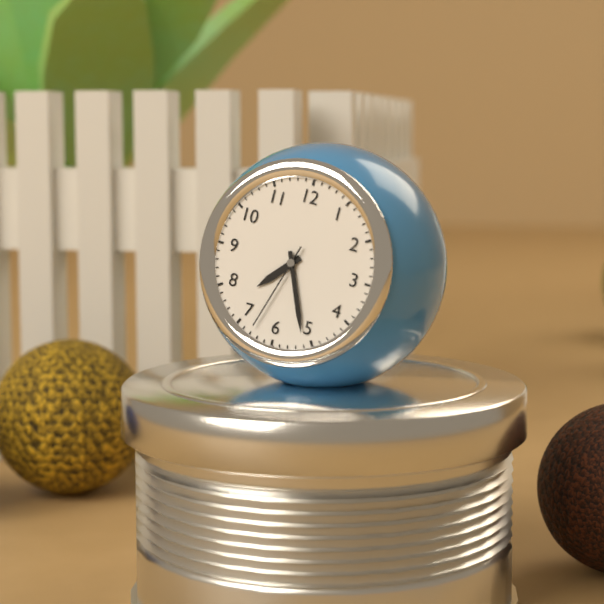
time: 7:26:33
